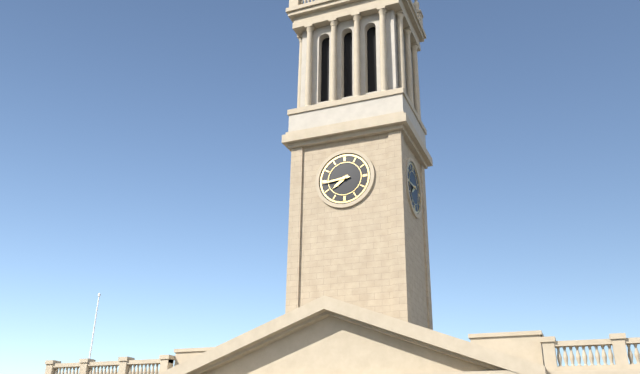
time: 7:44
